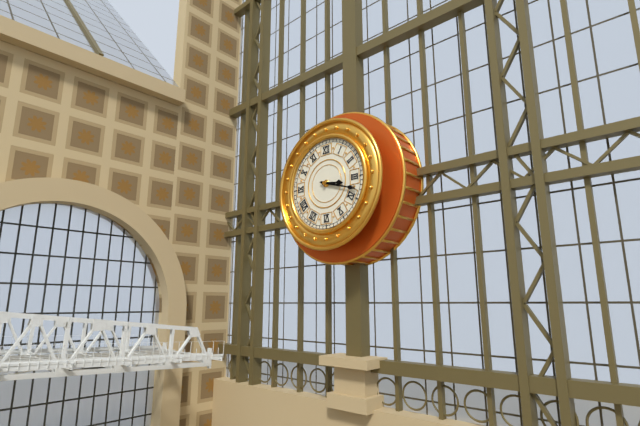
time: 3:18
